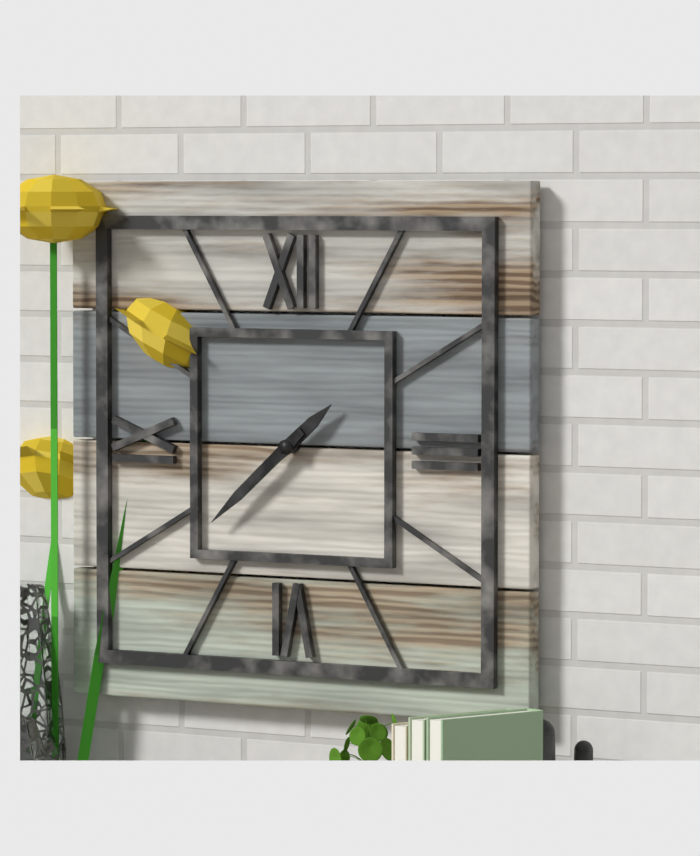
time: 1:38
